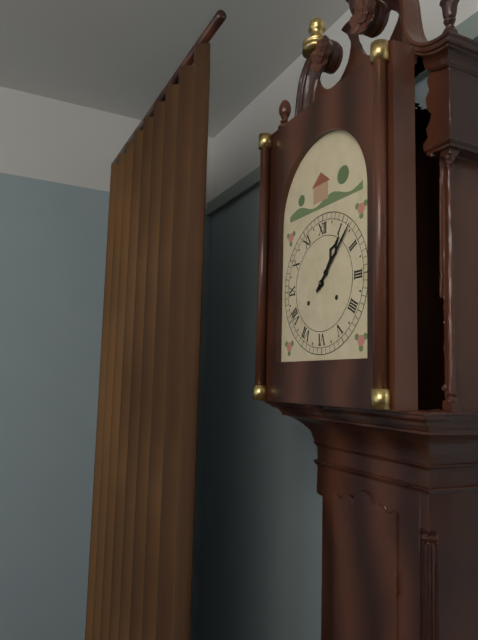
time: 1:07
